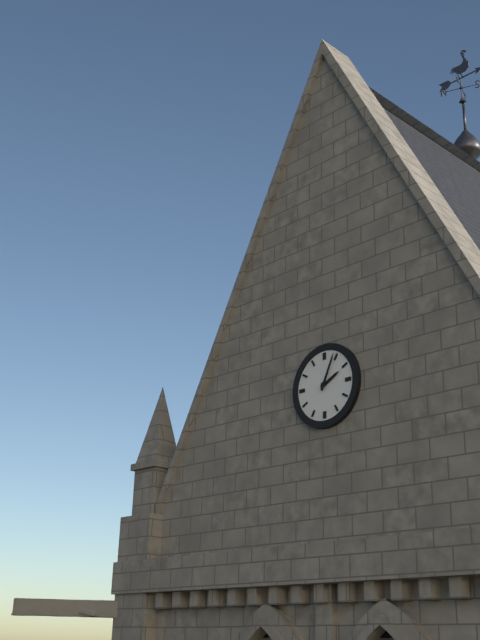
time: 2:04
